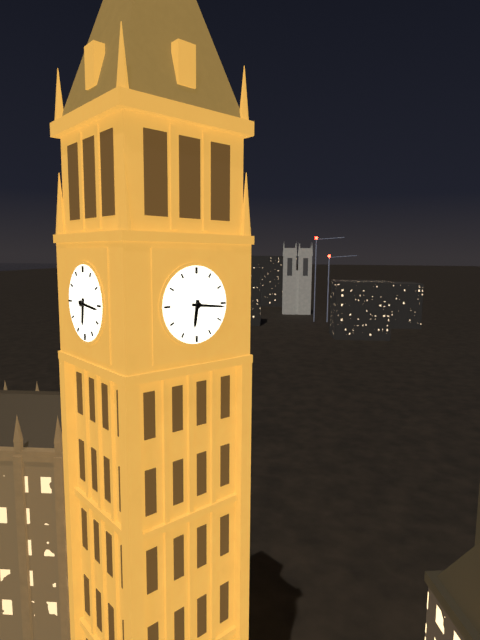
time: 6:16
